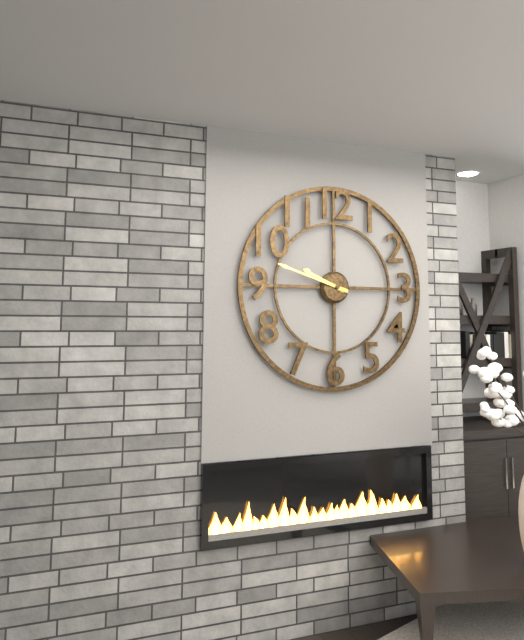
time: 9:48
